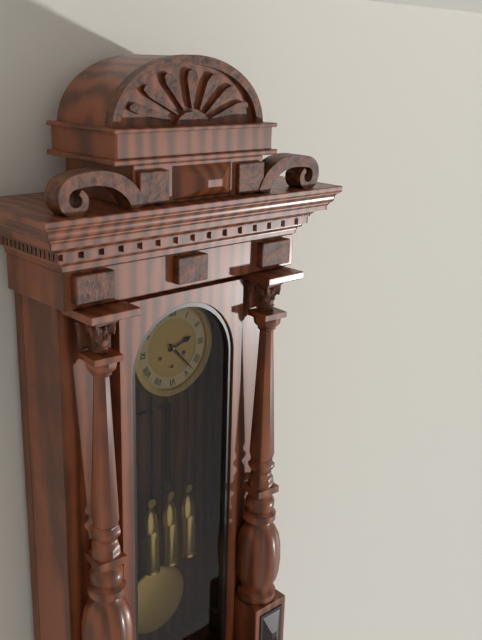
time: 2:23
